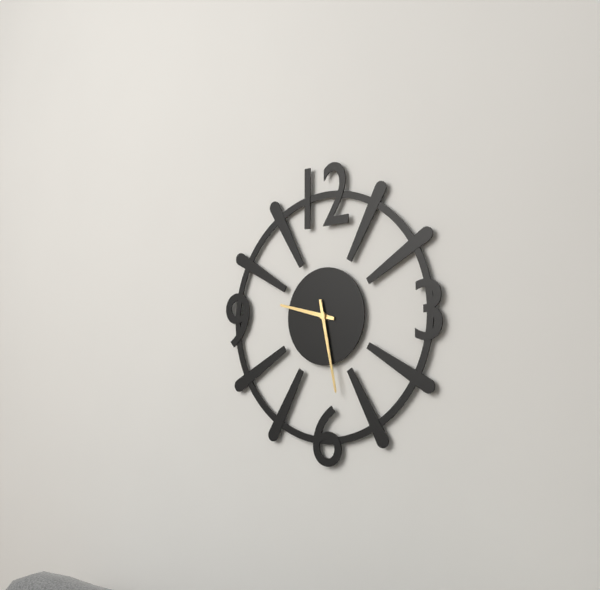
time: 9:28
